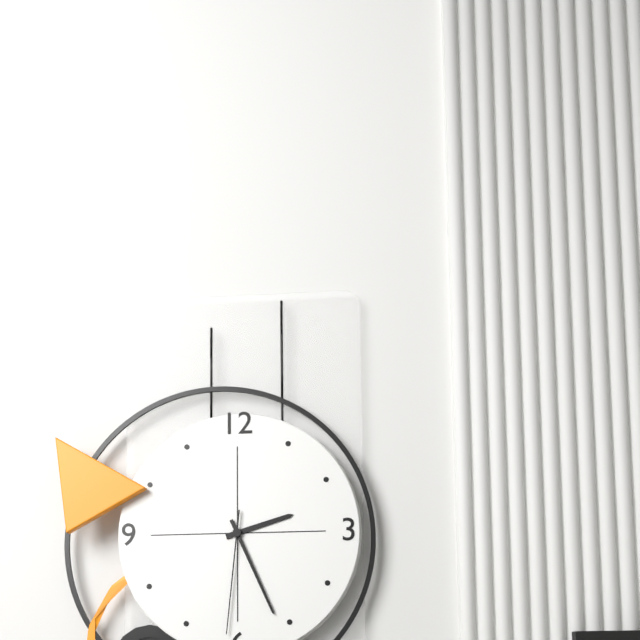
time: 2:26:31
